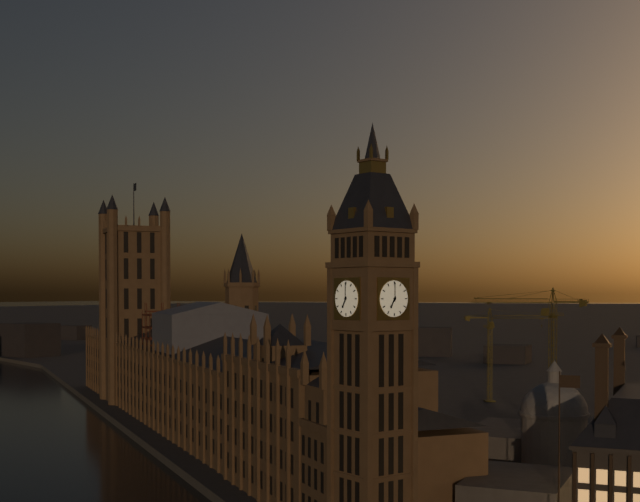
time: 7:00
